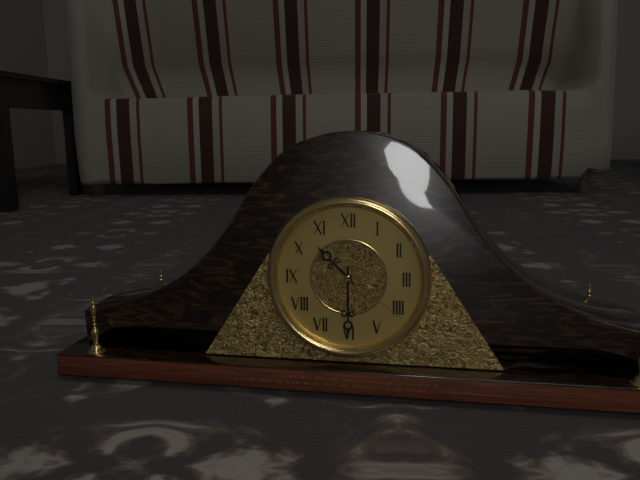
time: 10:30:21
